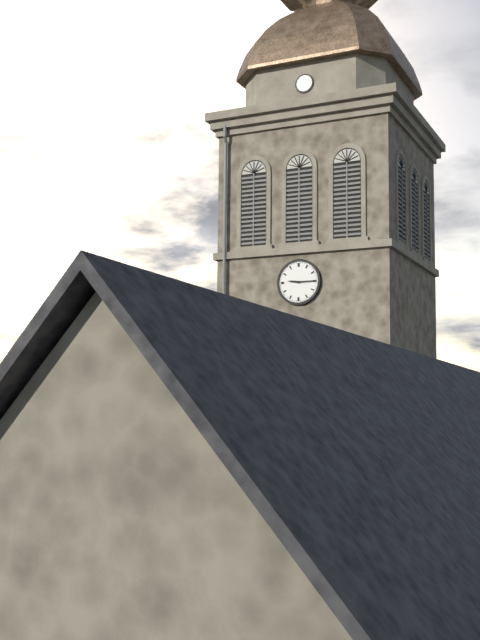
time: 9:15
